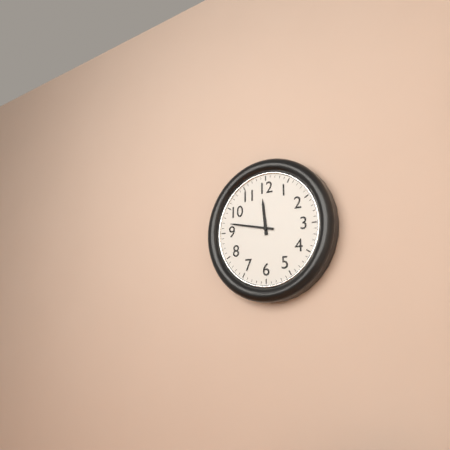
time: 11:47
